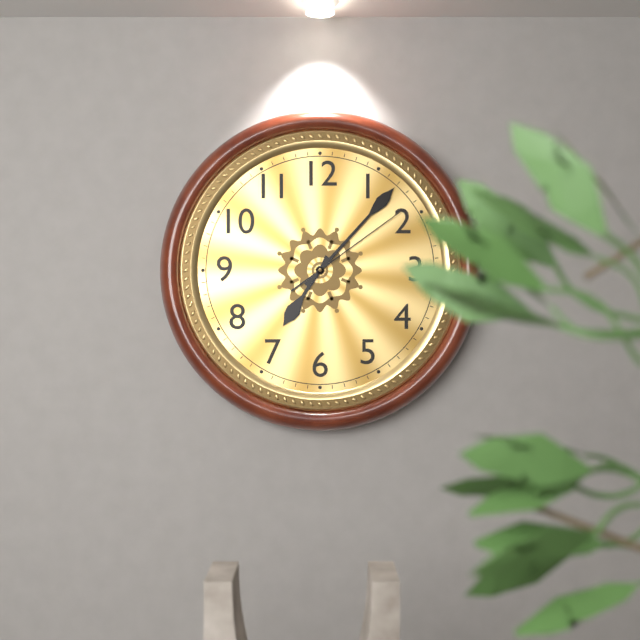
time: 7:07:09
